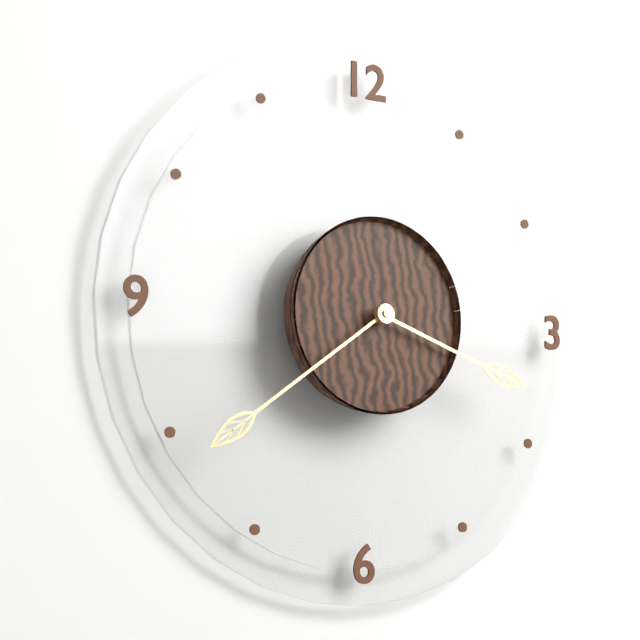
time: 3:39
